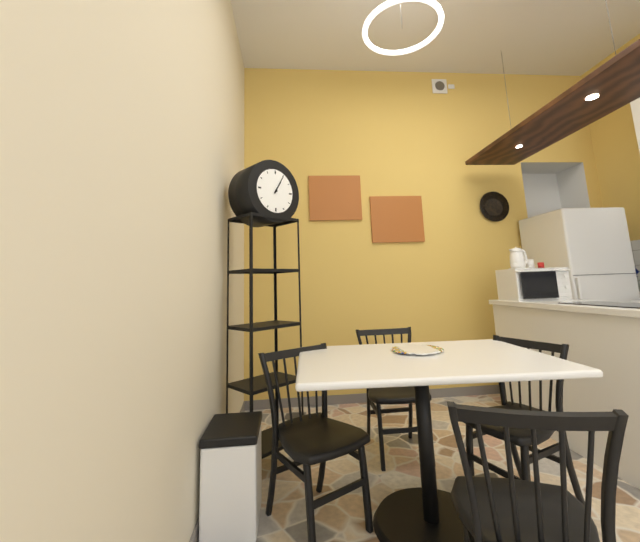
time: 1:05
